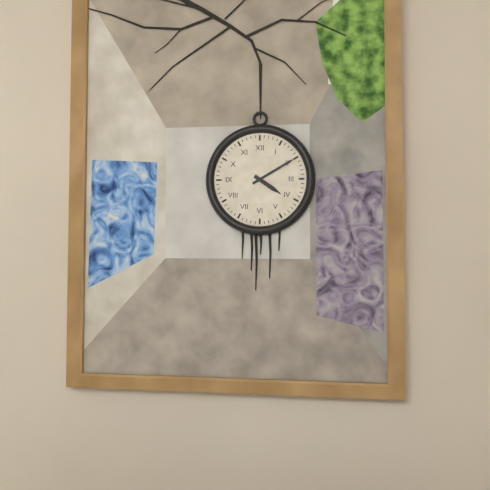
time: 4:10
